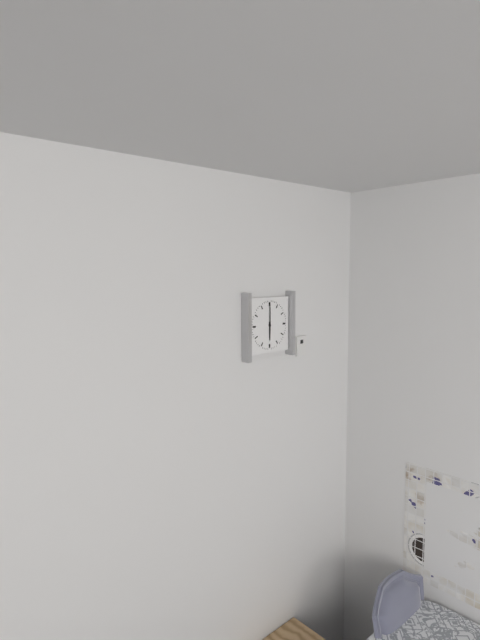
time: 6:00
